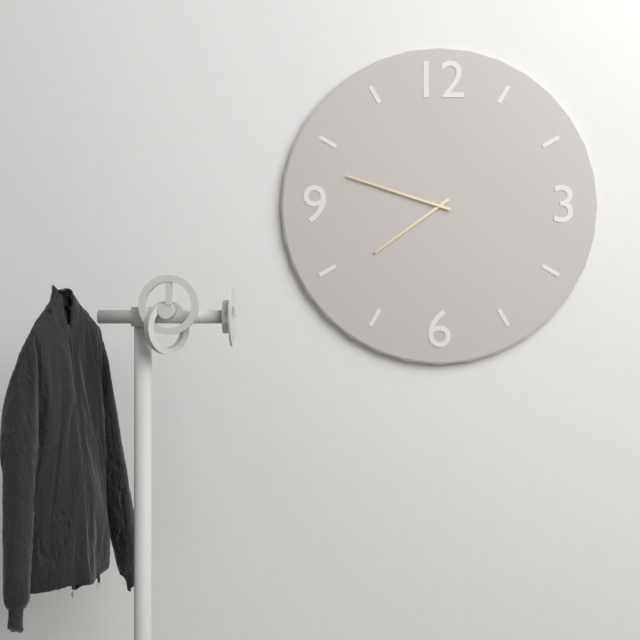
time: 7:48
